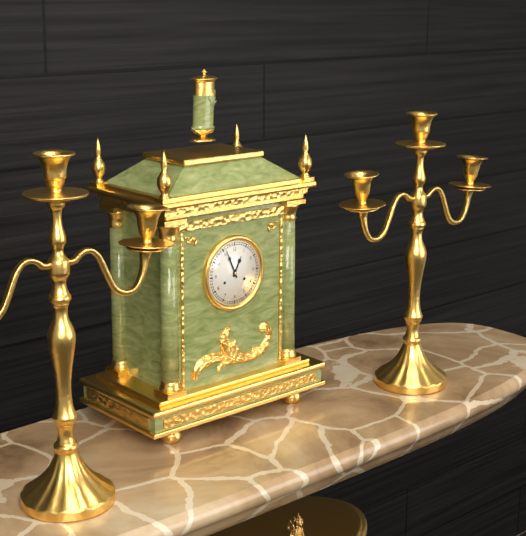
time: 12:56
